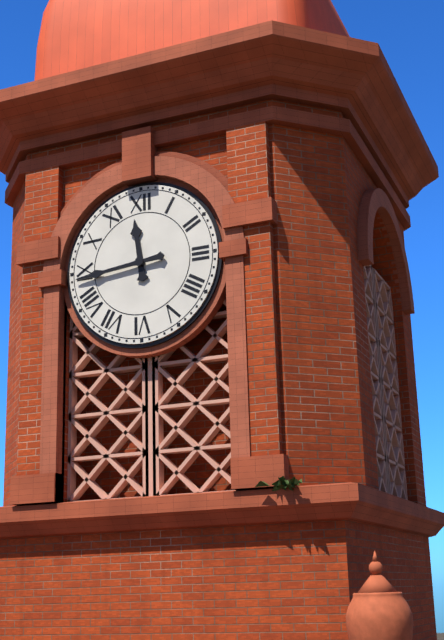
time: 11:44
